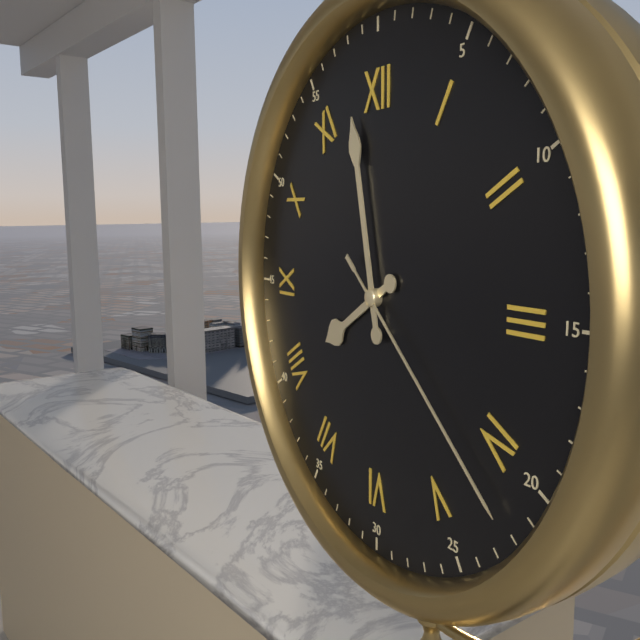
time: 7:58:22
